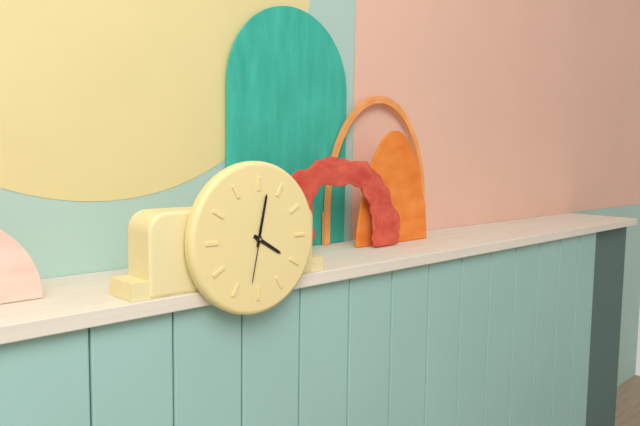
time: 4:02:32
